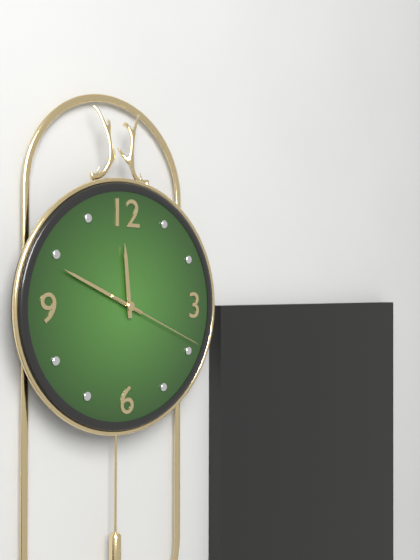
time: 11:49:19
